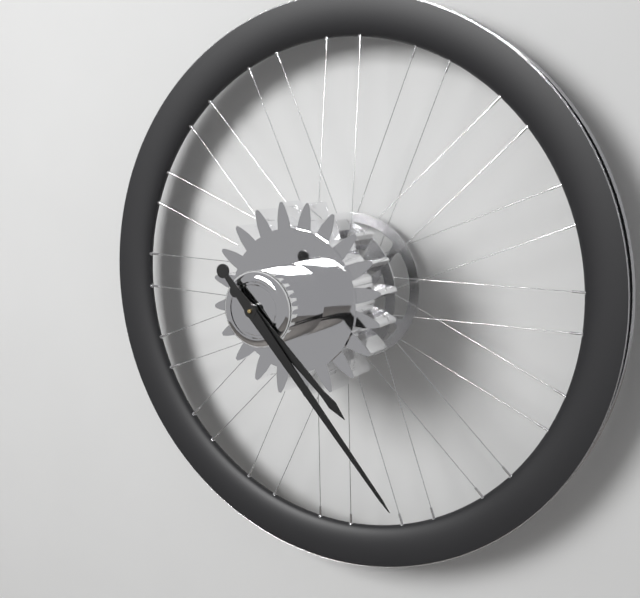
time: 4:23
